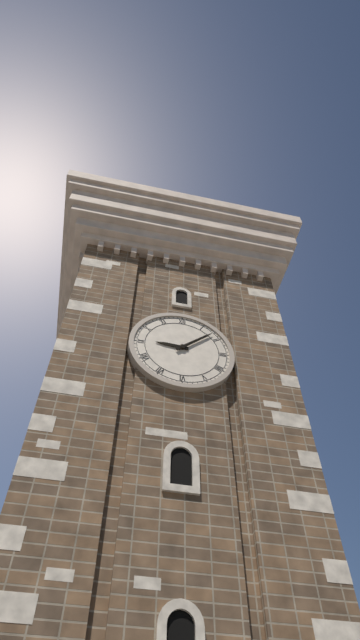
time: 9:08
